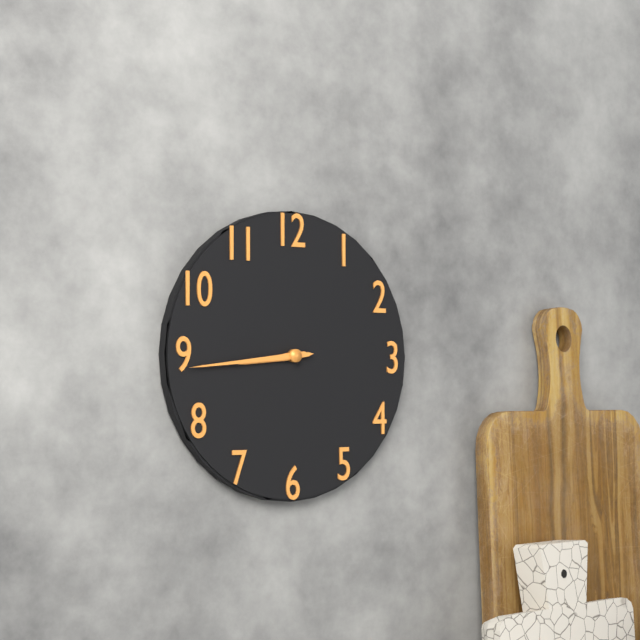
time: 8:44
